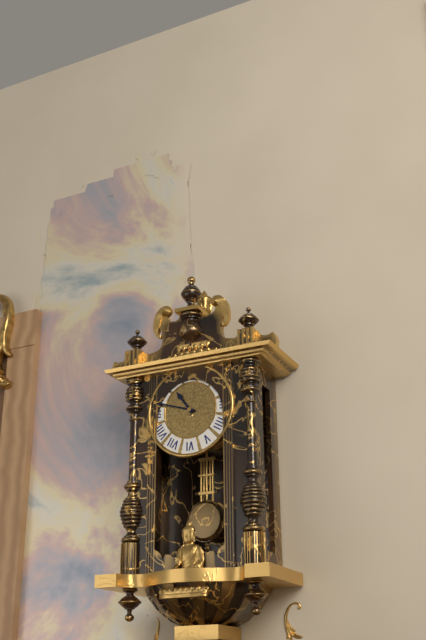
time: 10:48
